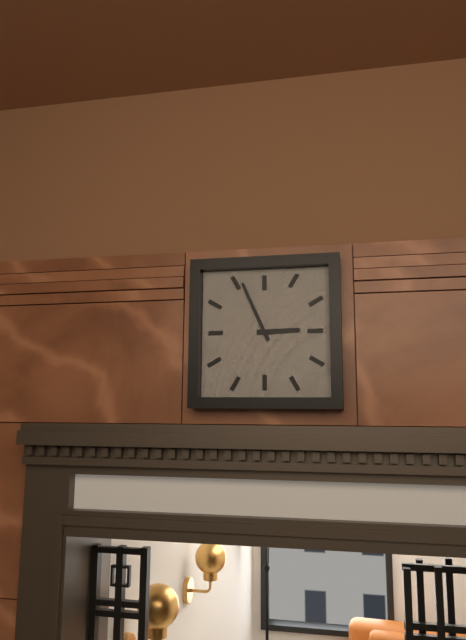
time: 2:56
